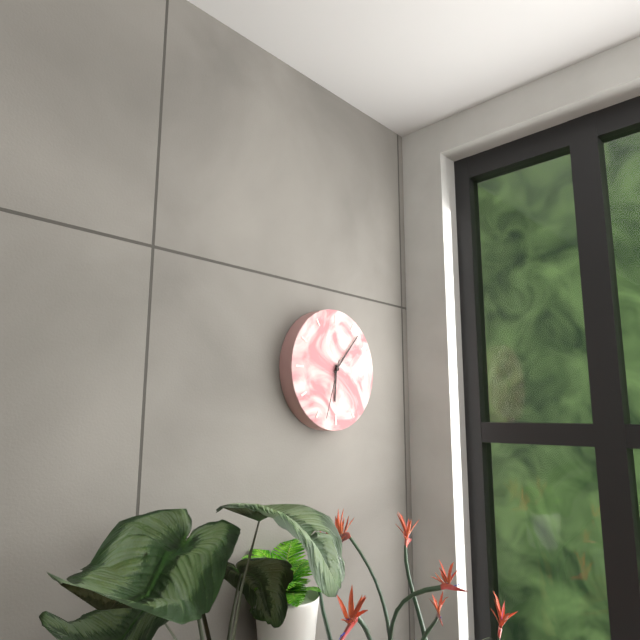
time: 6:07:33
